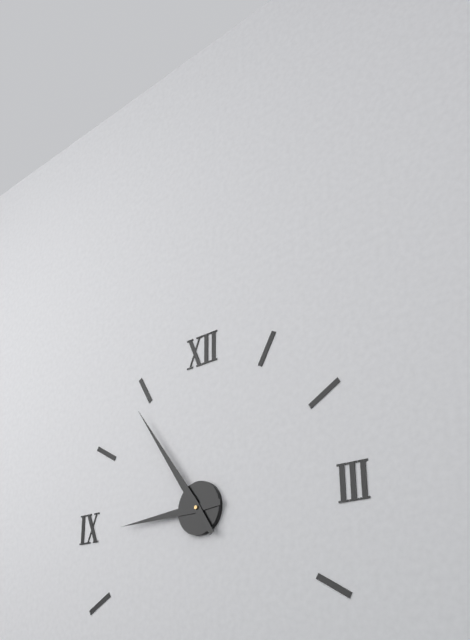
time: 8:54
